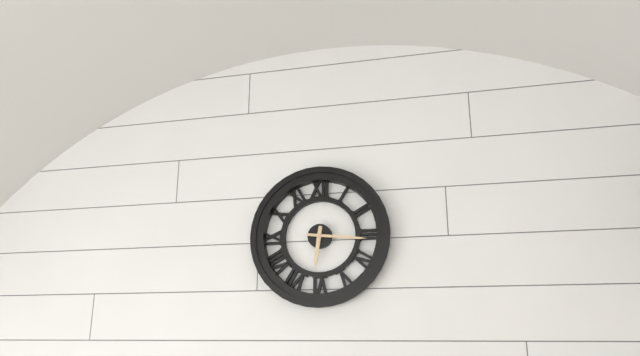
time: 6:16
